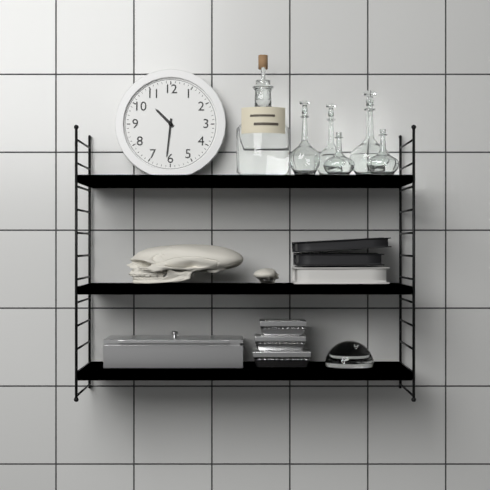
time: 10:31
